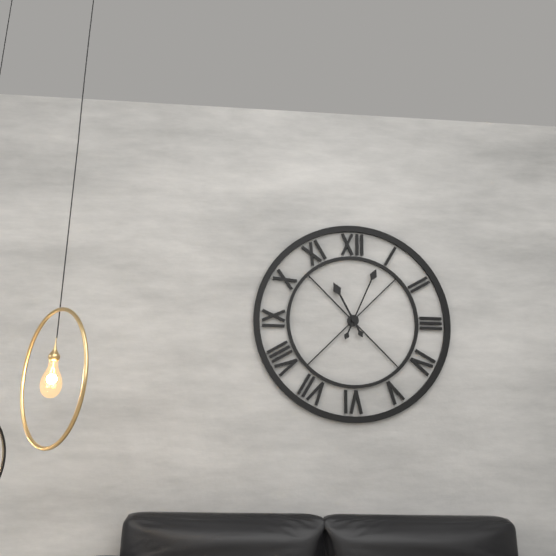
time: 11:04
